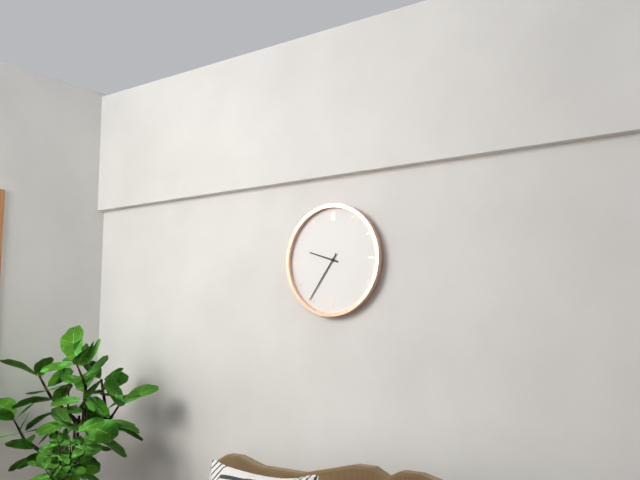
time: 9:36
